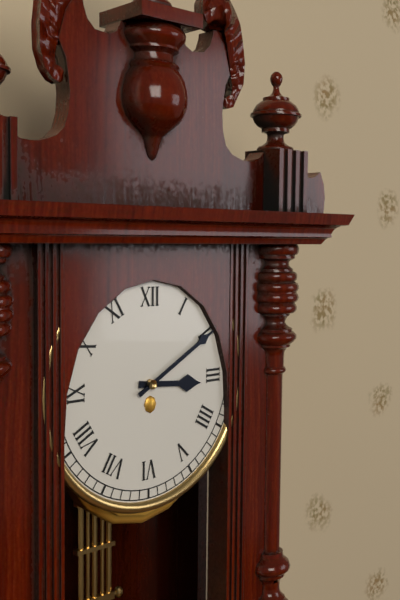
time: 3:10
